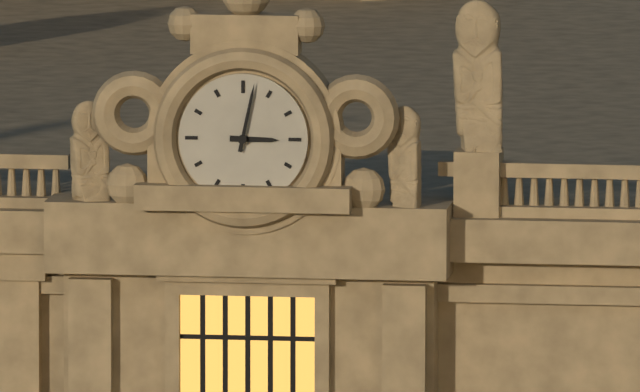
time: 3:02
